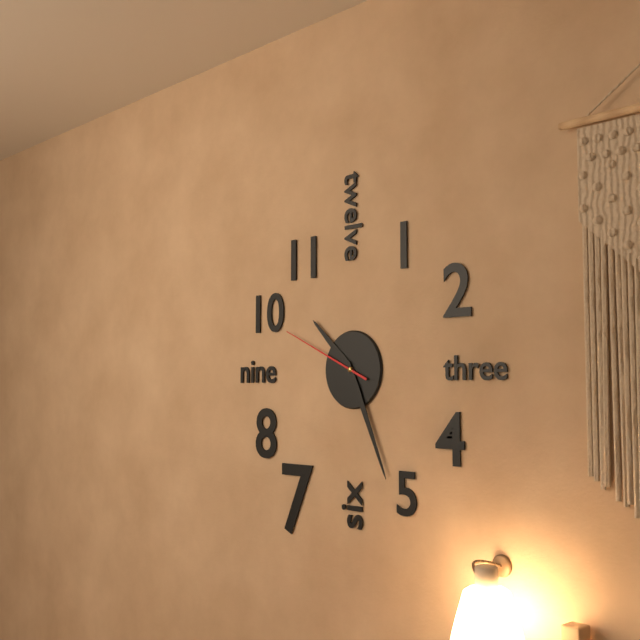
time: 10:26:49
